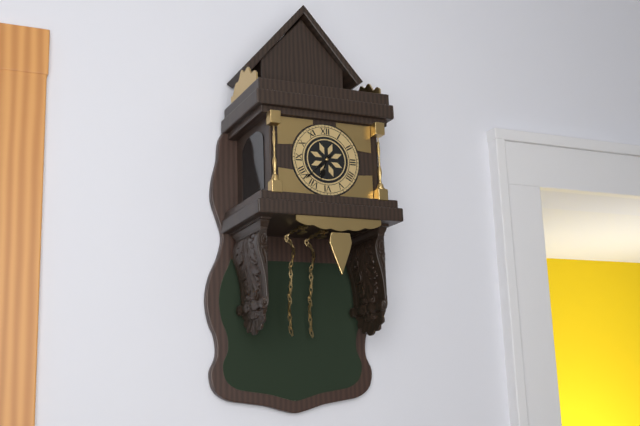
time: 6:38
